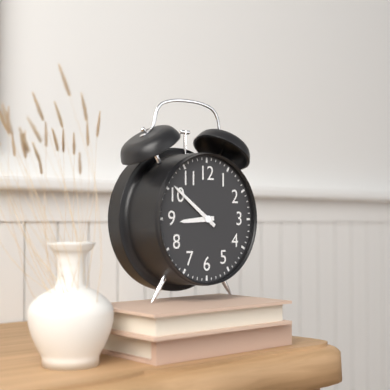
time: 8:51
